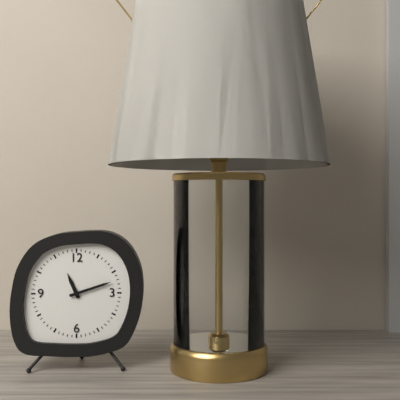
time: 11:12
